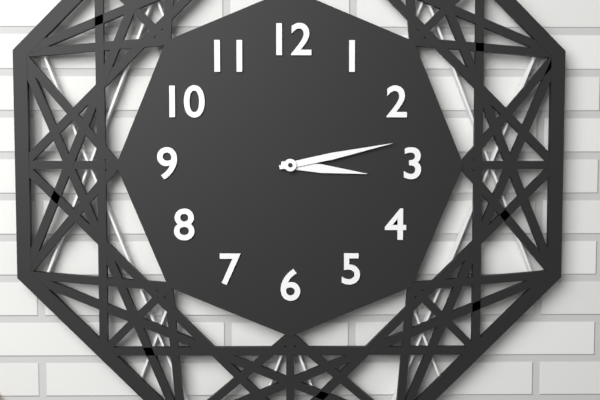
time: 3:13
